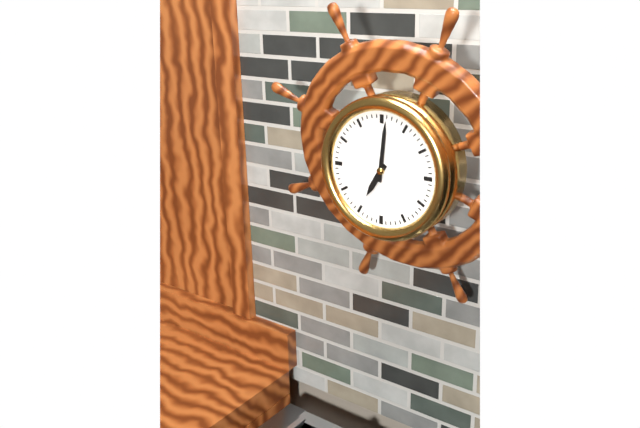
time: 7:01
